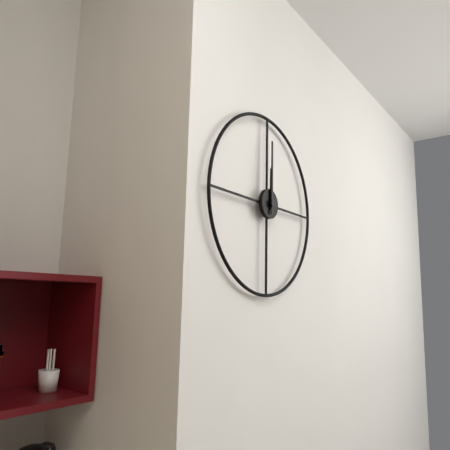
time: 12:00
